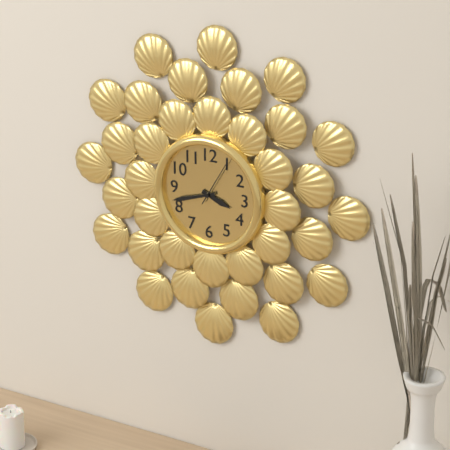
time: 3:42
